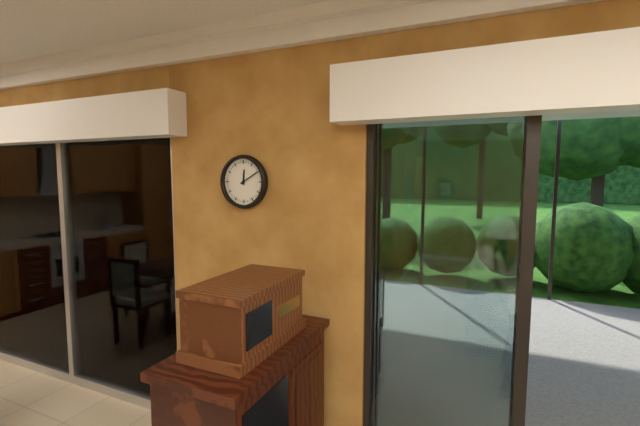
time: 12:10
